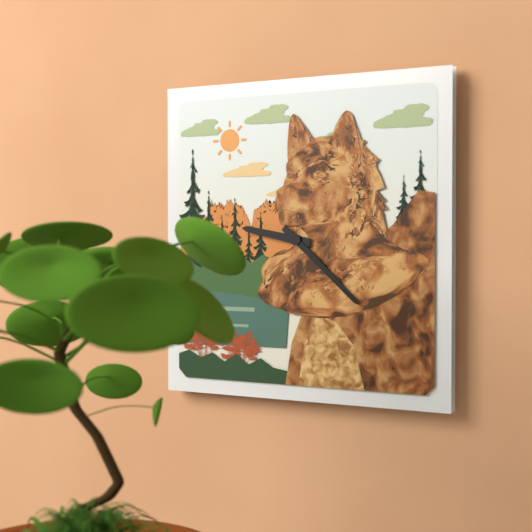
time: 9:22
